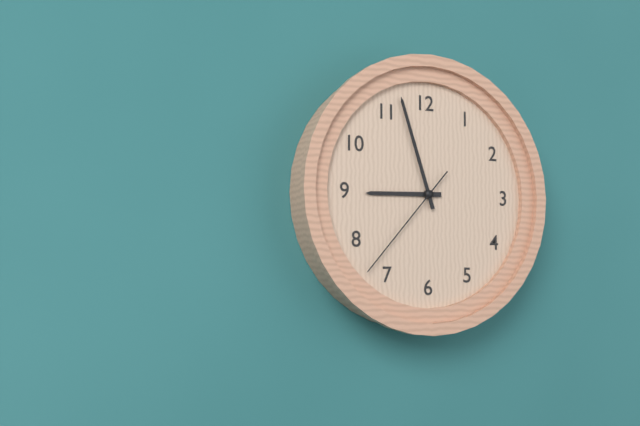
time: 8:57:37
